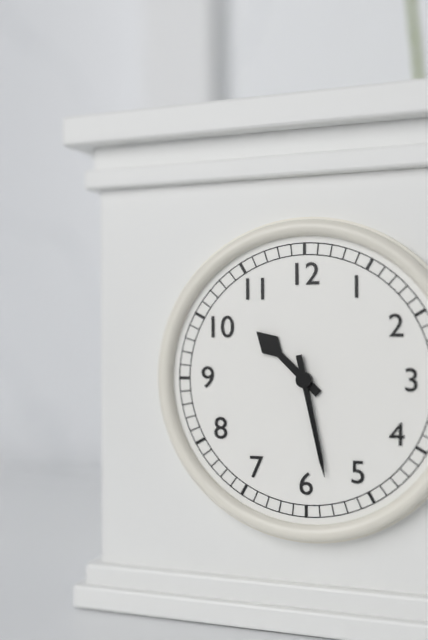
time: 10:28
